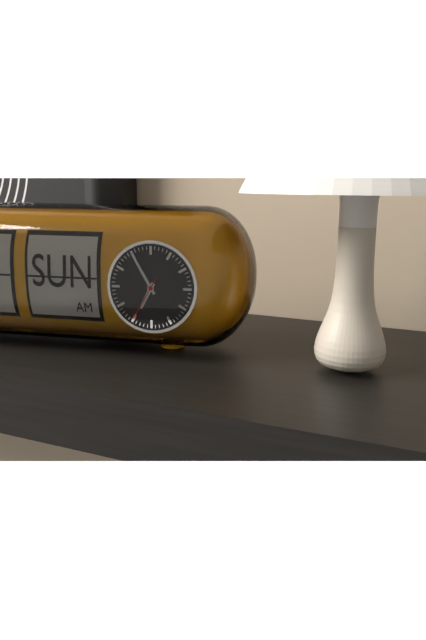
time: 6:55:35
